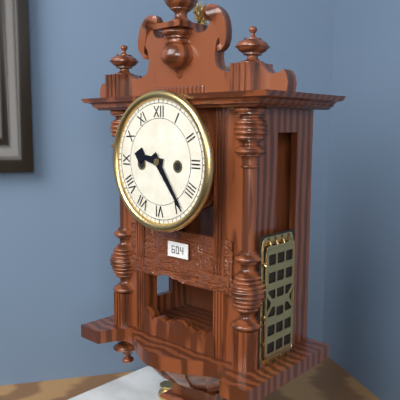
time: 9:24
